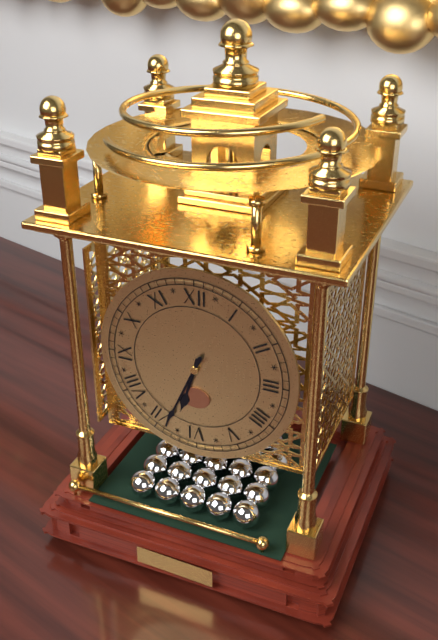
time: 6:34
